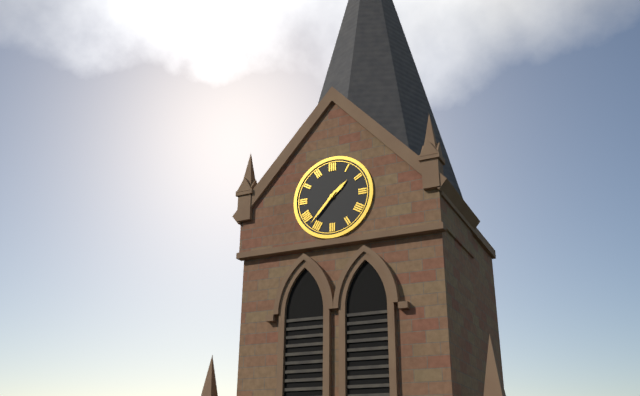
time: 1:37
